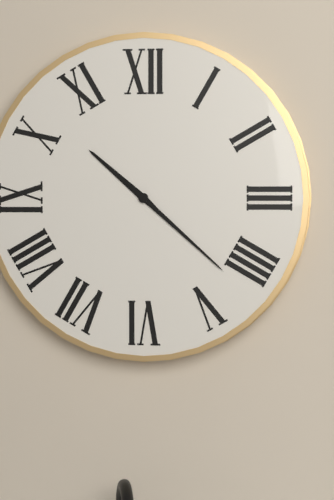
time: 10:22
